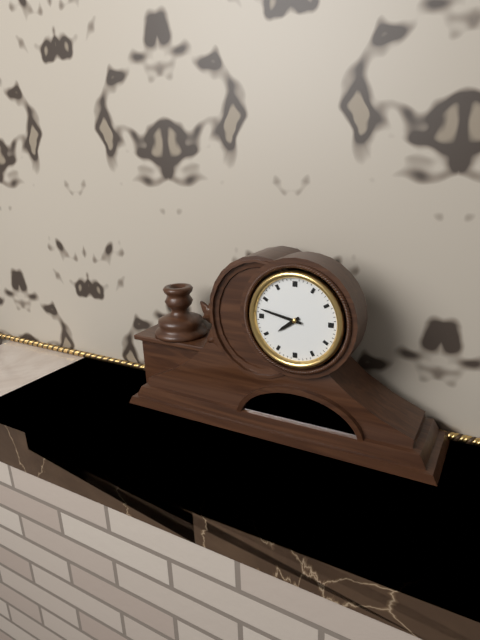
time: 7:47
